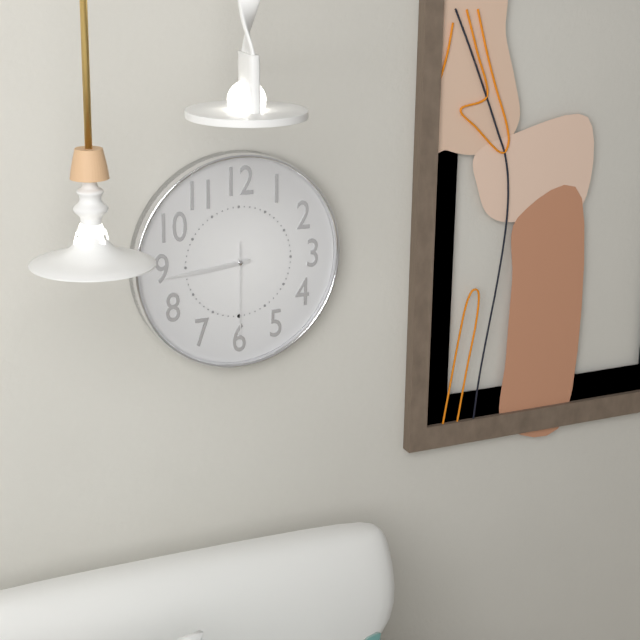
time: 8:44:30
